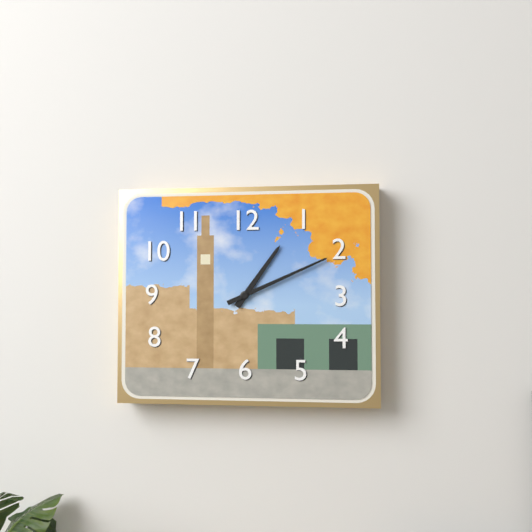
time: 1:11
